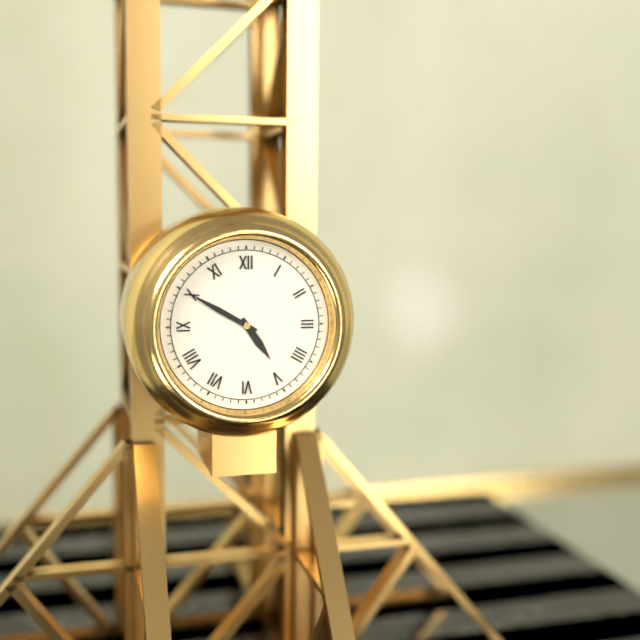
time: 4:50
